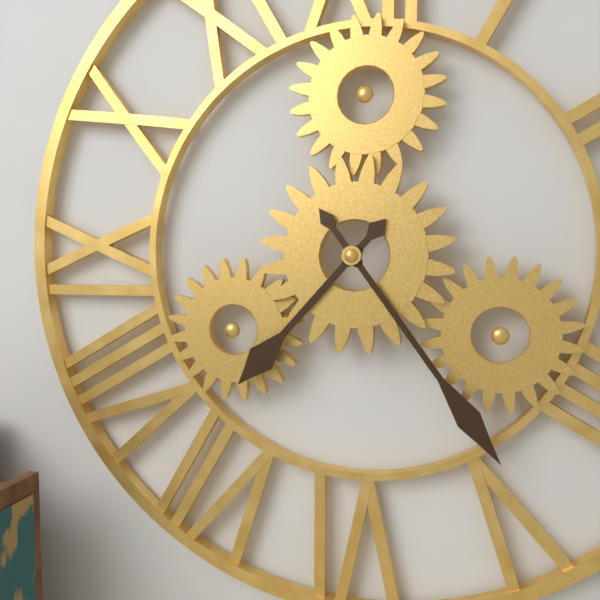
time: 7:24
